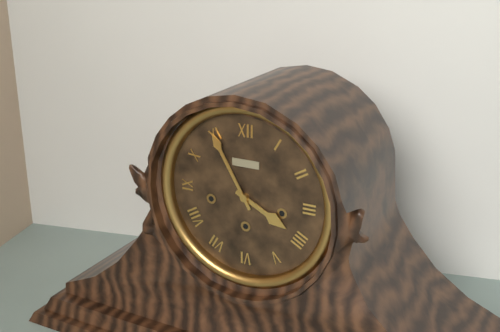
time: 3:55
